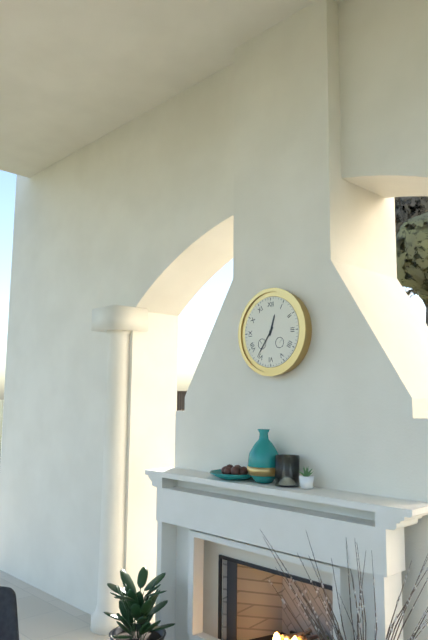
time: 12:36
